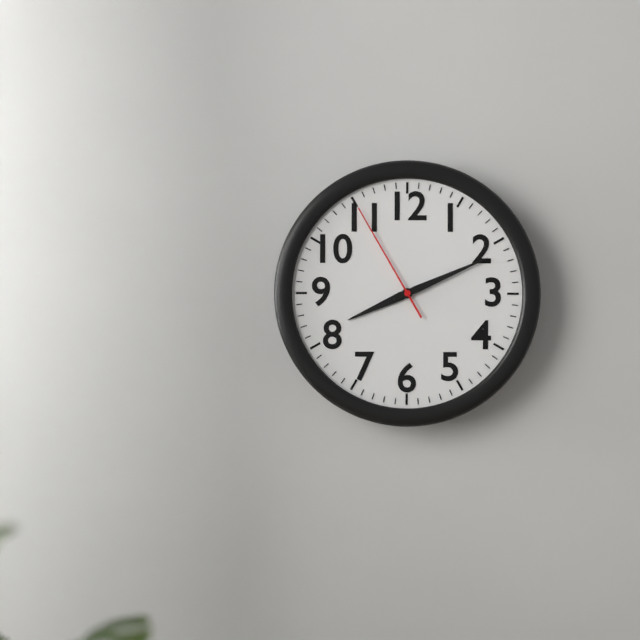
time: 8:11:55
